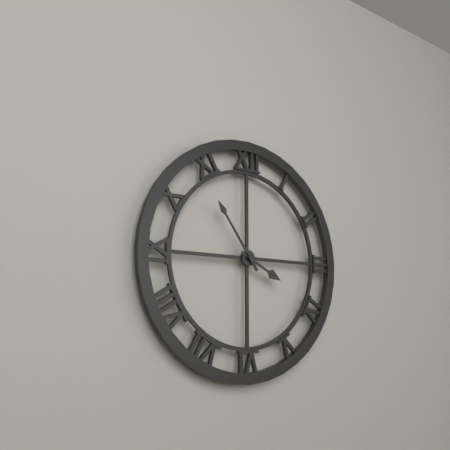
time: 3:54
